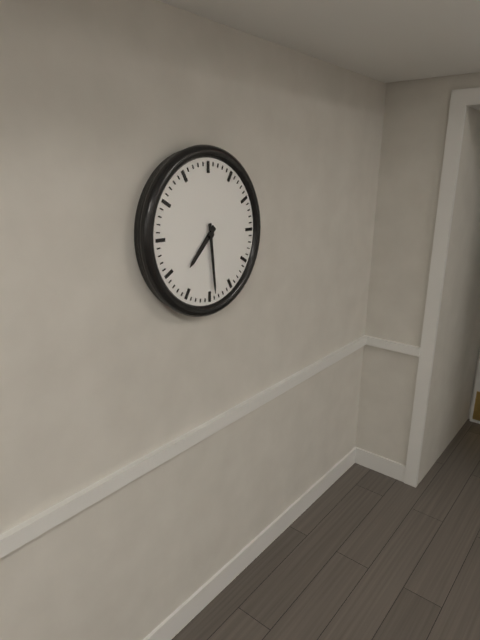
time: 7:29
